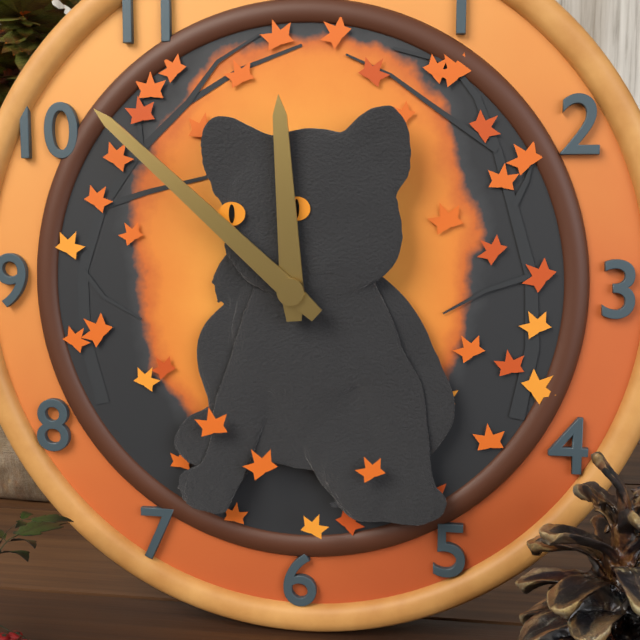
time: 11:52
